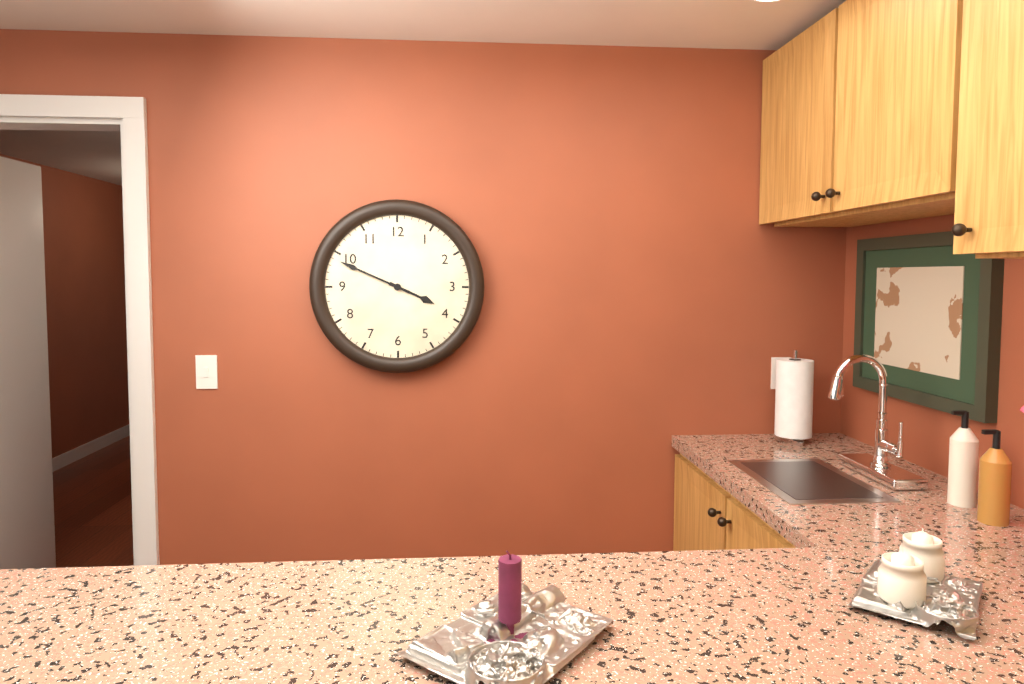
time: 3:49
